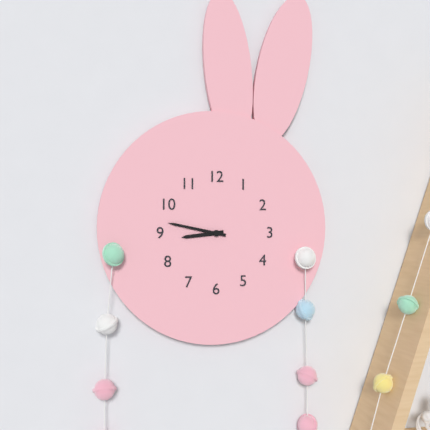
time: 8:47
